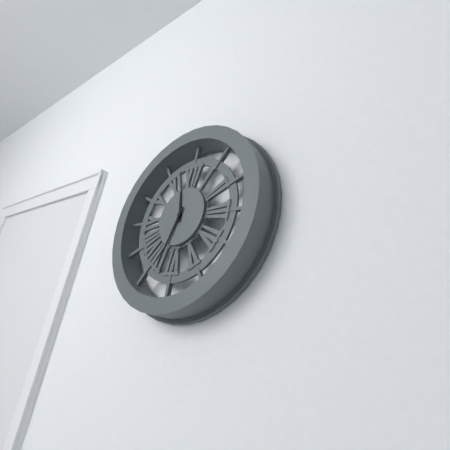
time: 11:33
